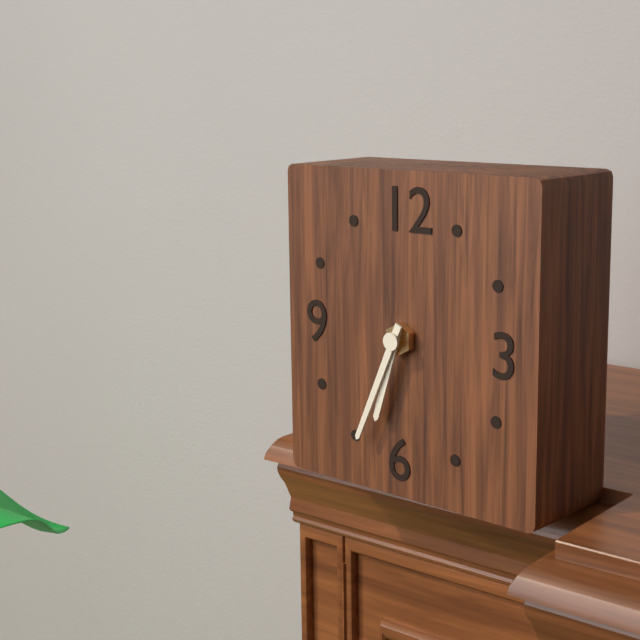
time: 6:34
